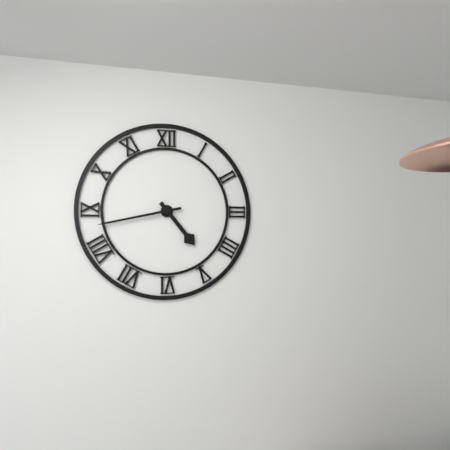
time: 4:43
